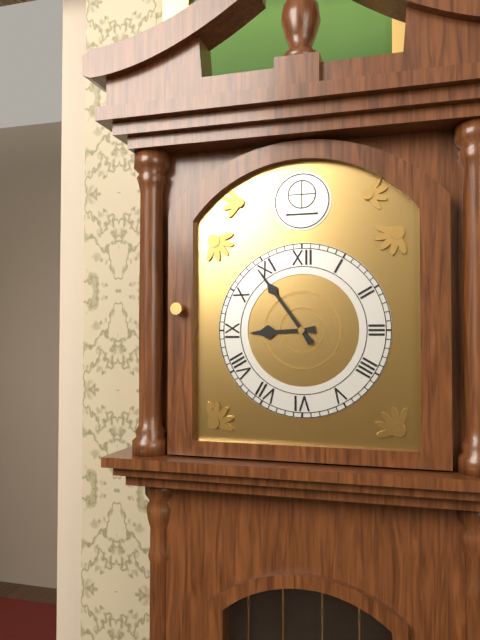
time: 8:54
